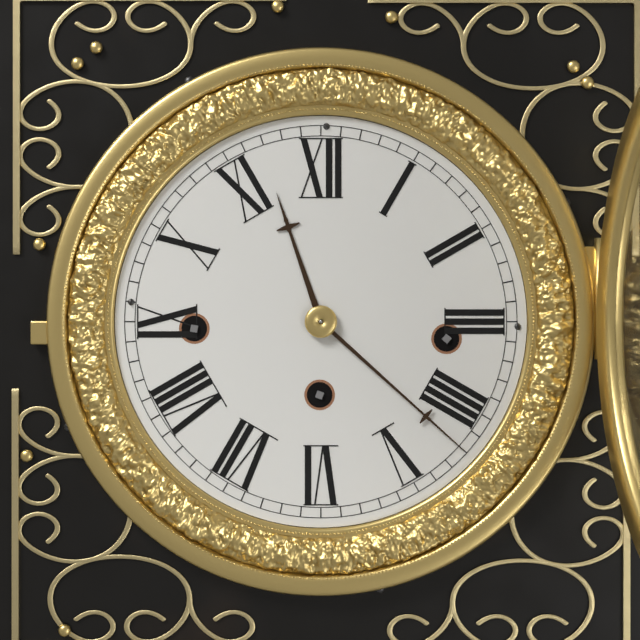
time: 11:22
